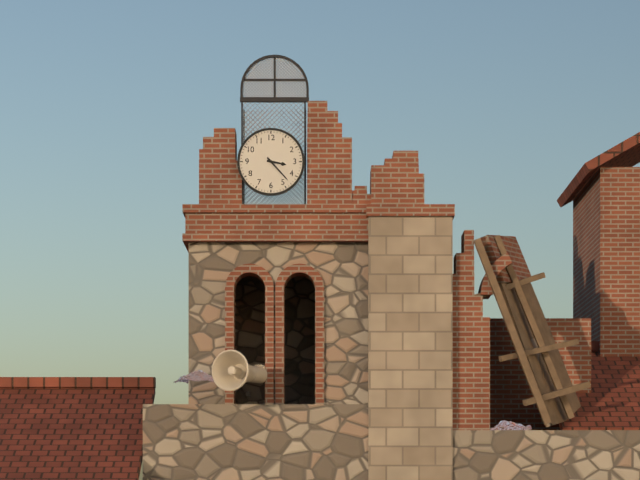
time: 3:23
